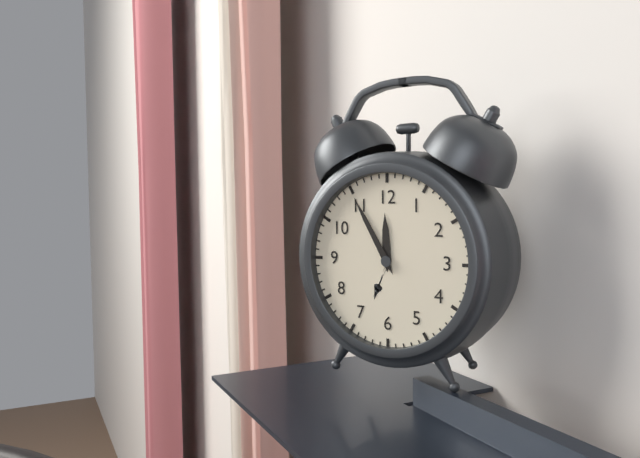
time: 11:55
